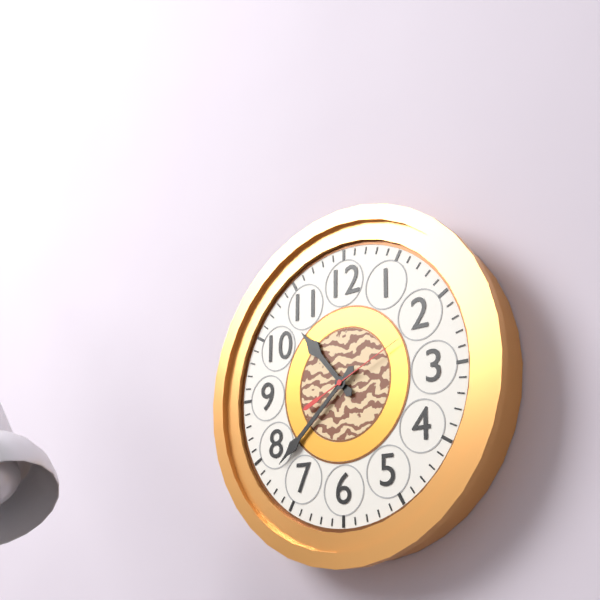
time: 10:38:11
